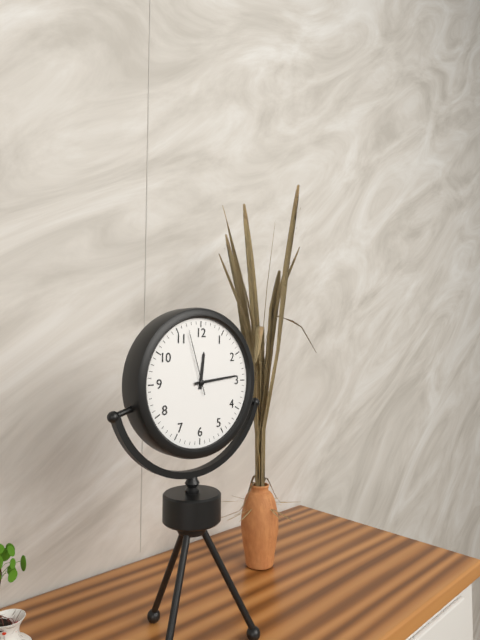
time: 12:14:57
